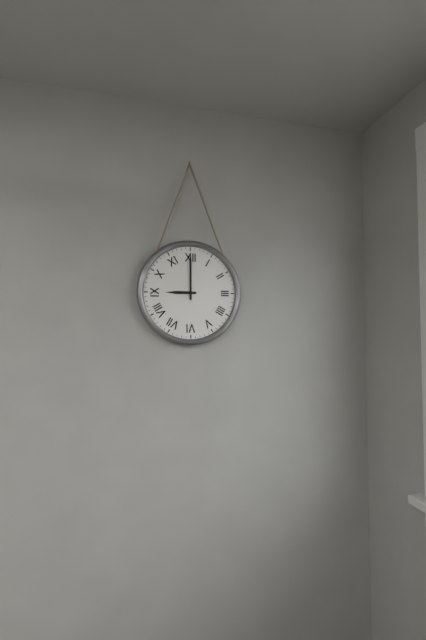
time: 9:00
